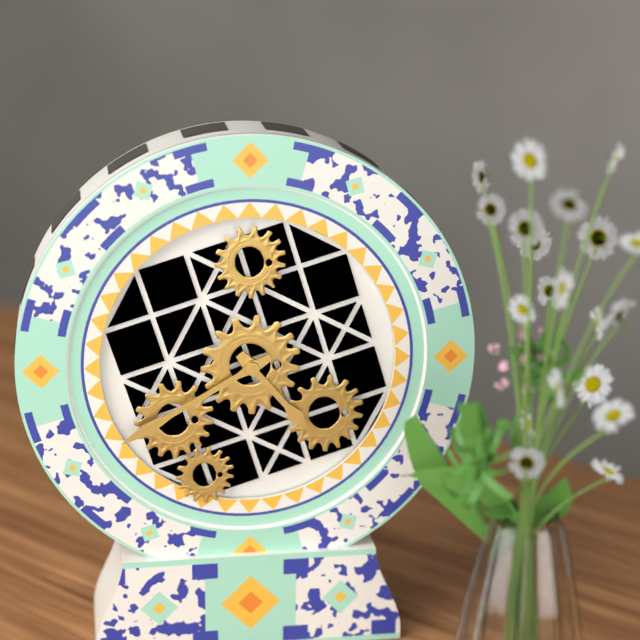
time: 4:40
